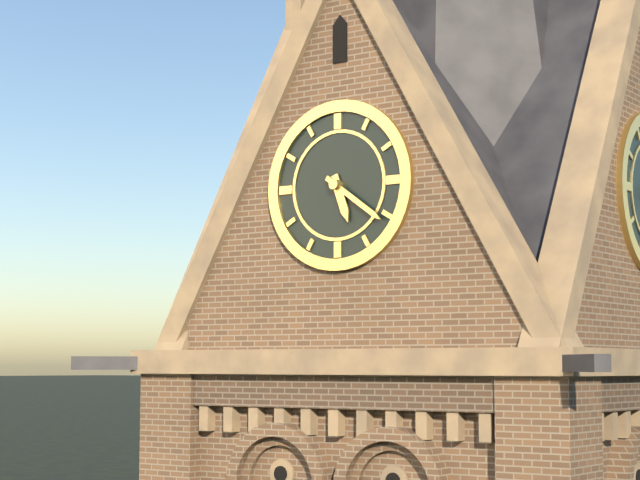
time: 5:21
